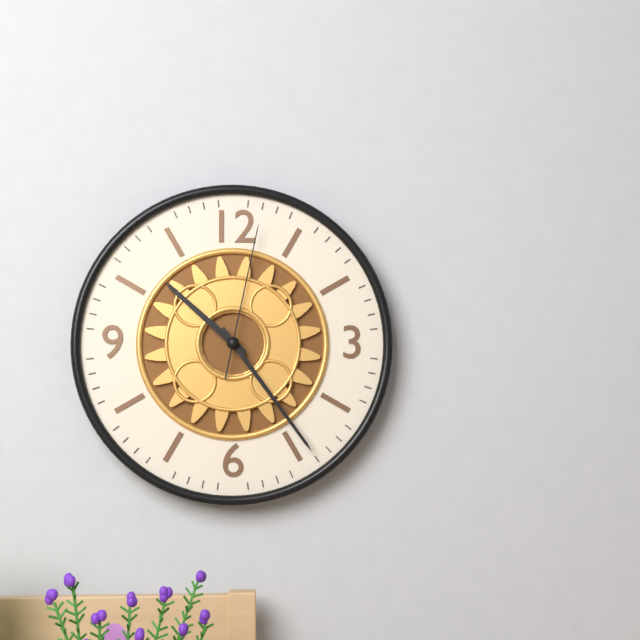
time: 10:24:02
